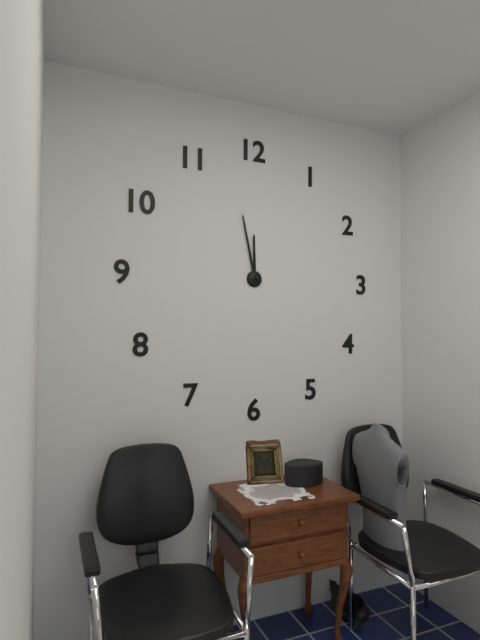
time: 11:58
